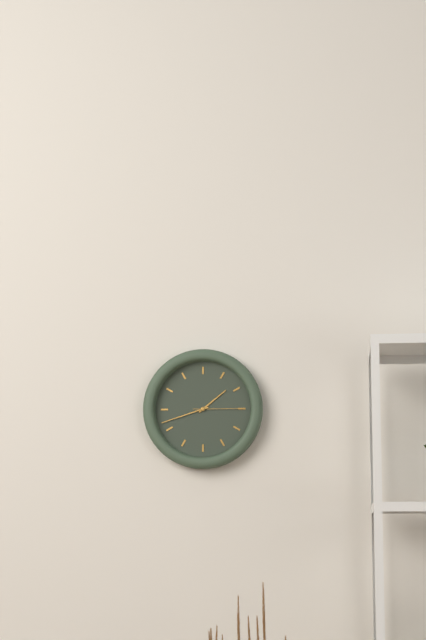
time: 1:42:15
